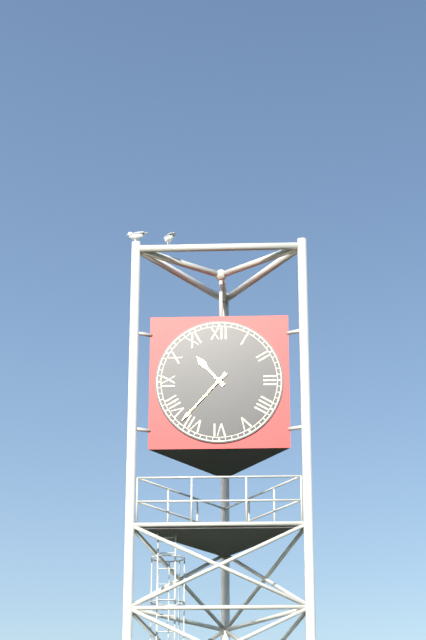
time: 10:37
